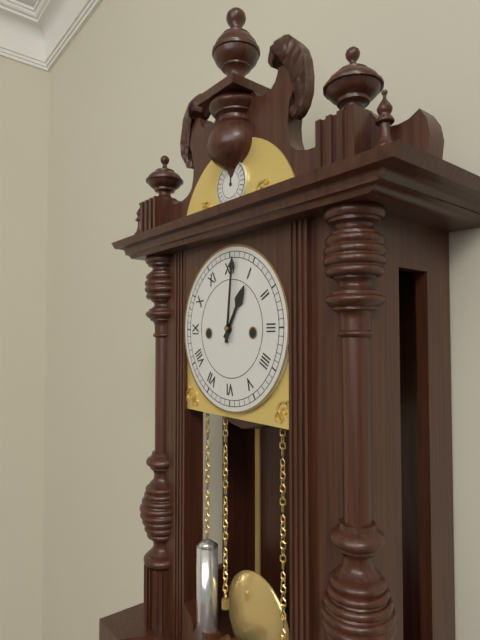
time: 1:01
